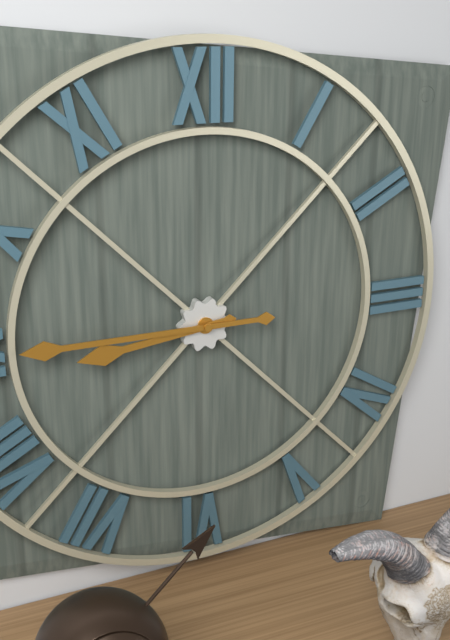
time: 8:45
